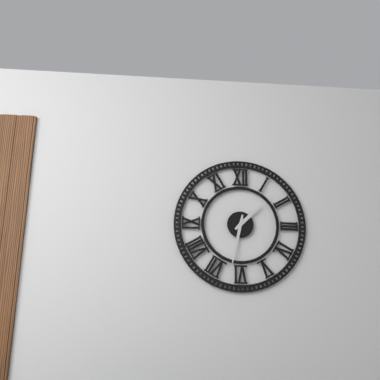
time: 1:32
